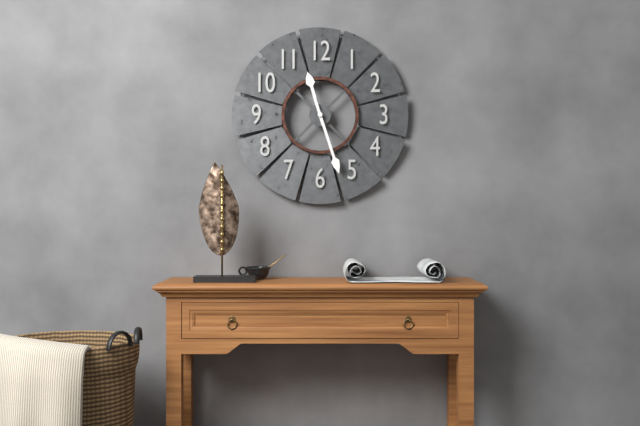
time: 11:27
